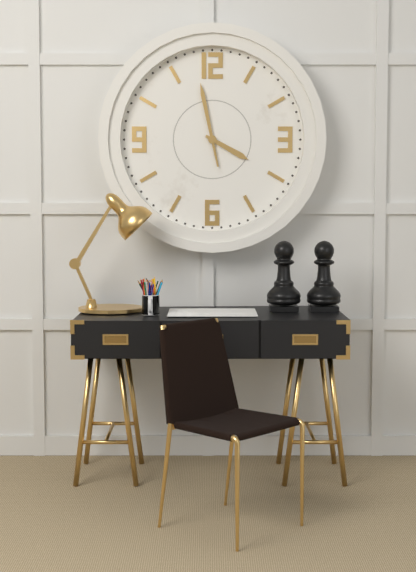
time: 3:58
